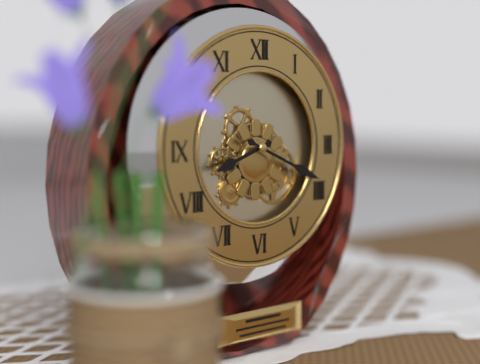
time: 8:19
